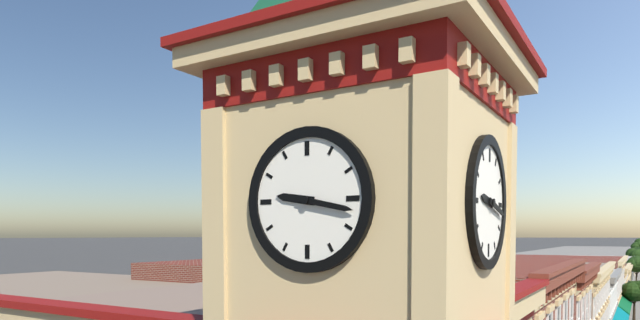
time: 9:17
